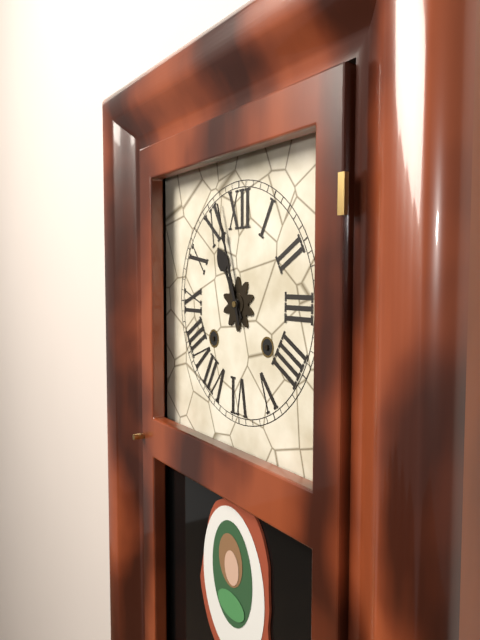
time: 10:57
